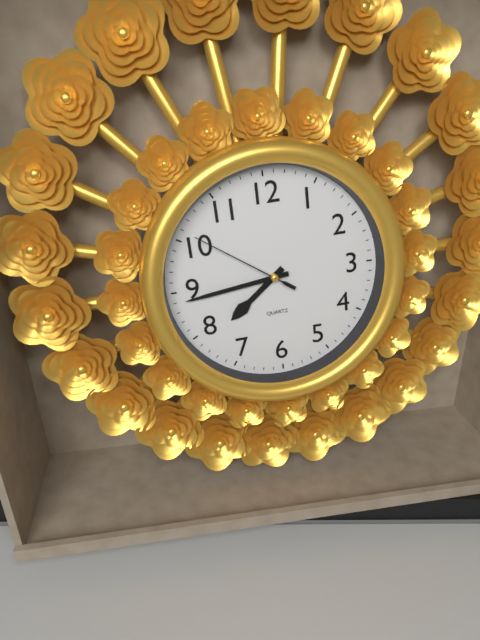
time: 7:44:51
